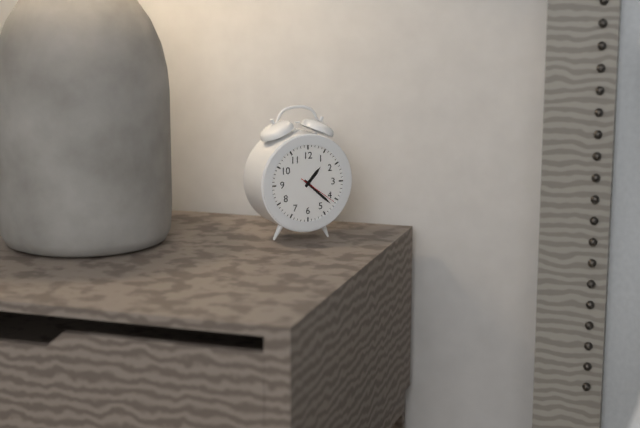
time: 1:22
